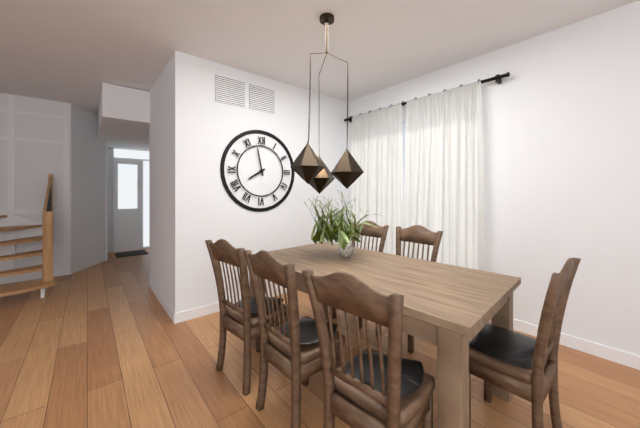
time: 7:58
